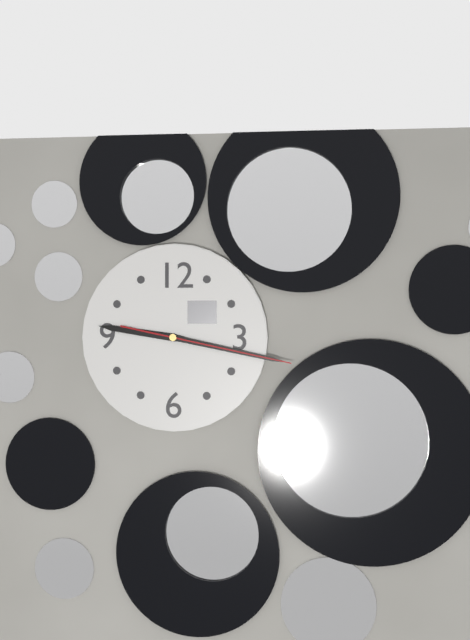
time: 9:17:17
